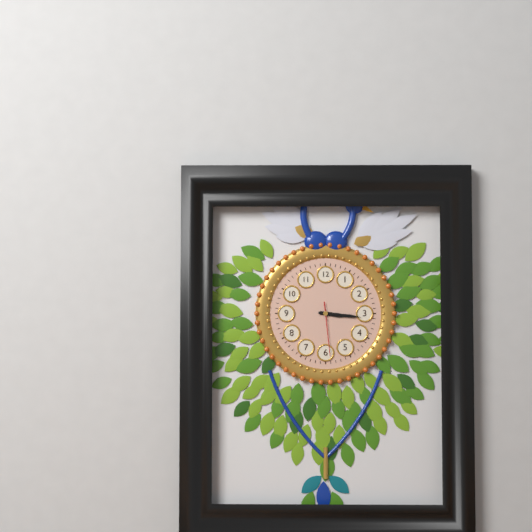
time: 3:16:29
